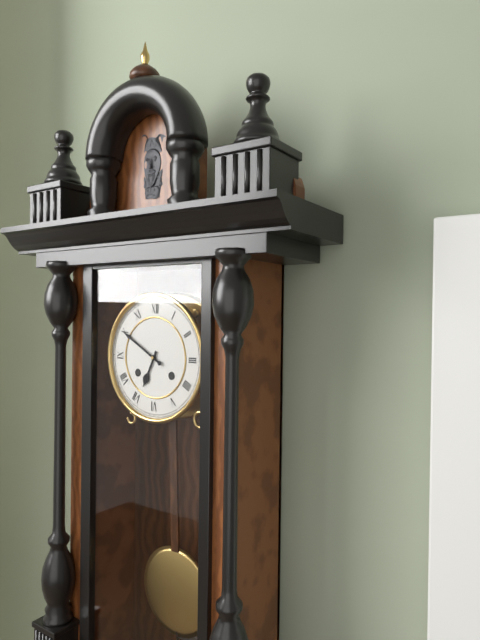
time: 6:50
